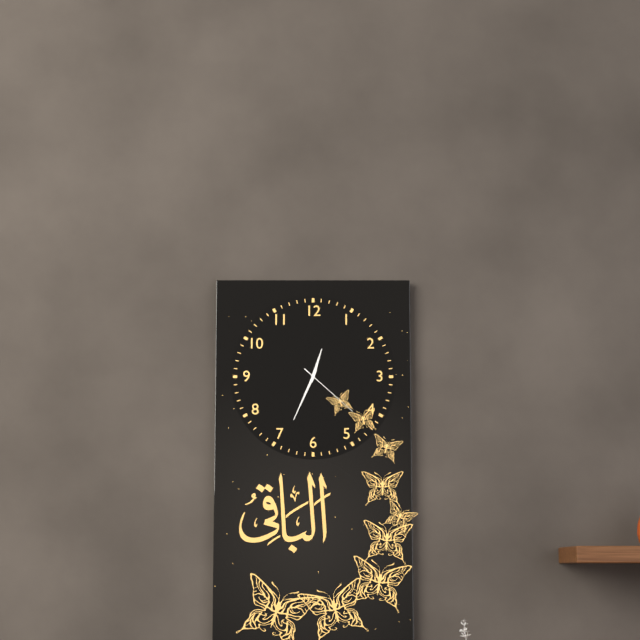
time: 12:34:22
